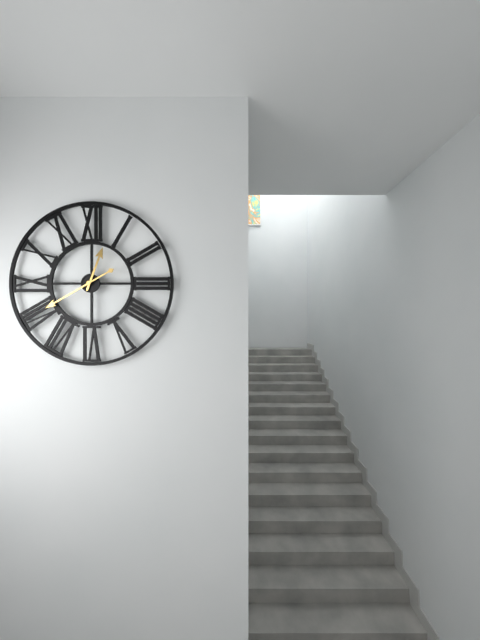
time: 12:40
